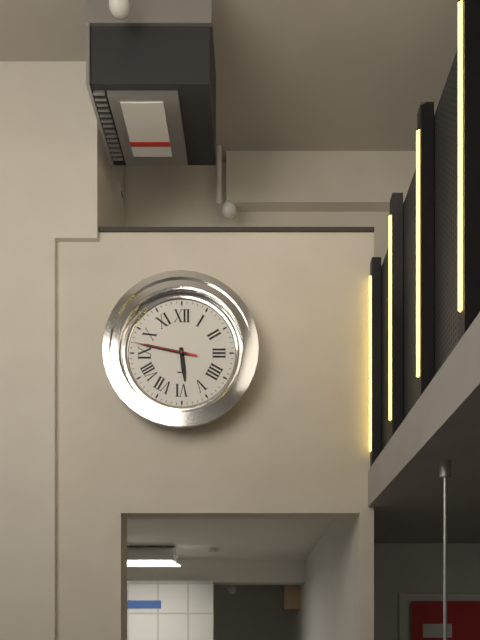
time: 5:47:47
